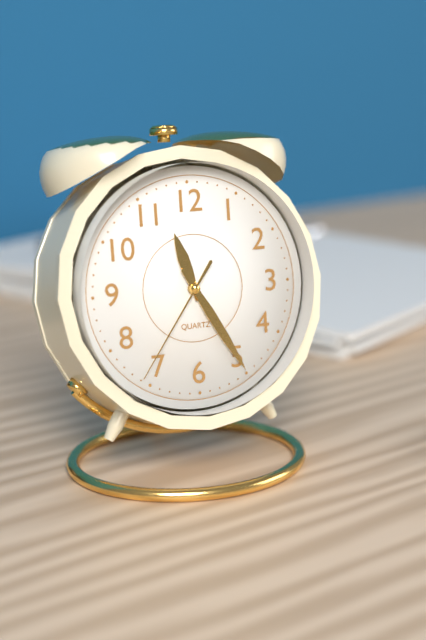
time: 11:25:36
